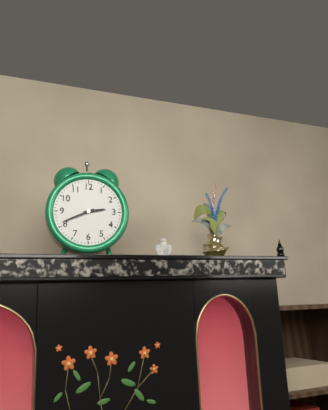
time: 2:41
